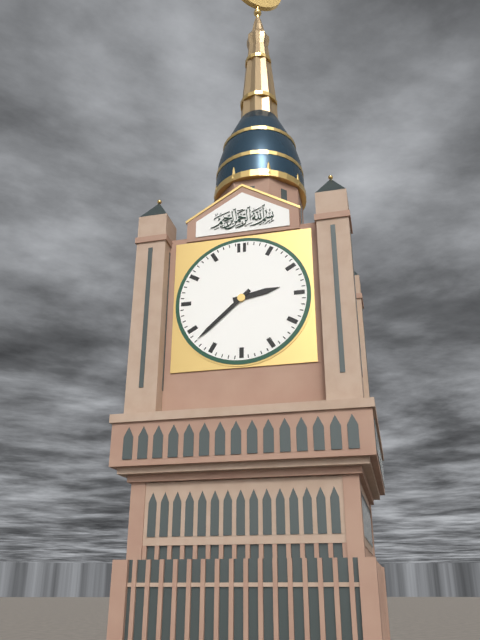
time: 2:38
